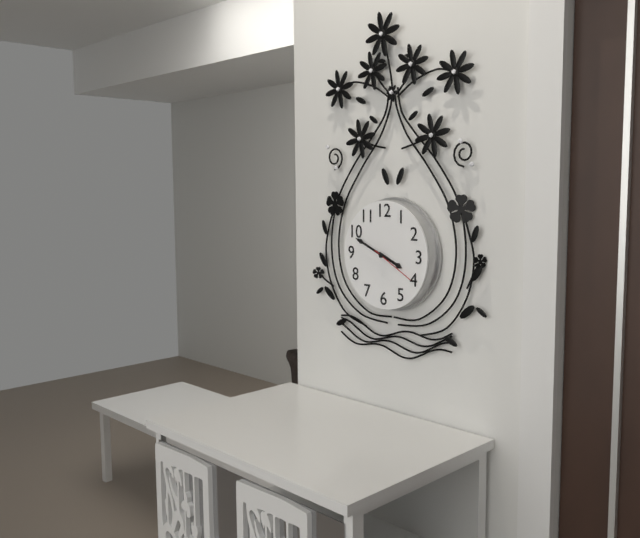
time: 3:49
